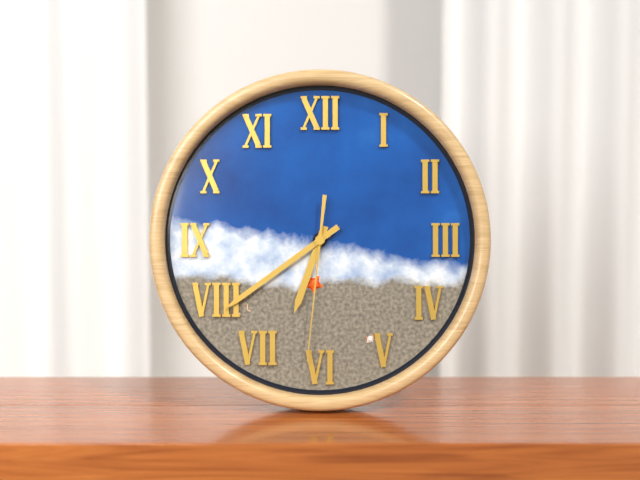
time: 6:39:31
